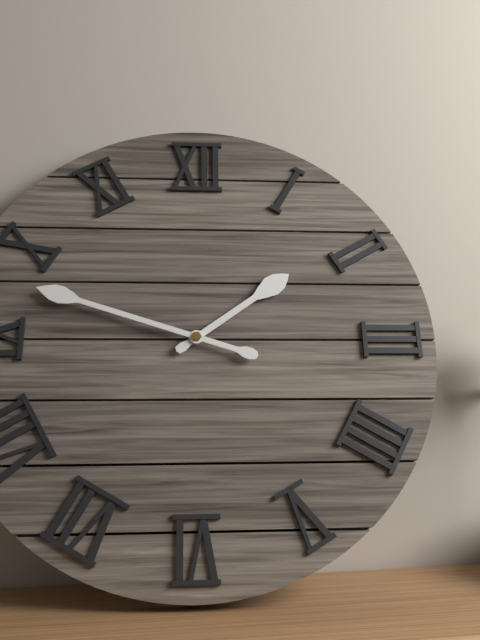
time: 1:48
